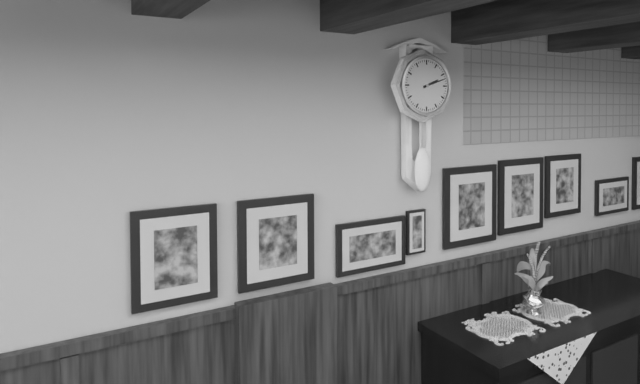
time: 2:12
